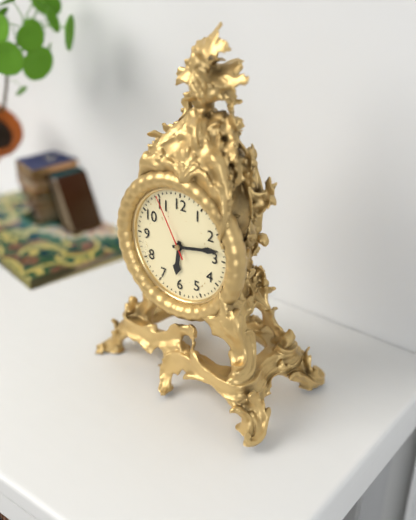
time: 6:13:55
